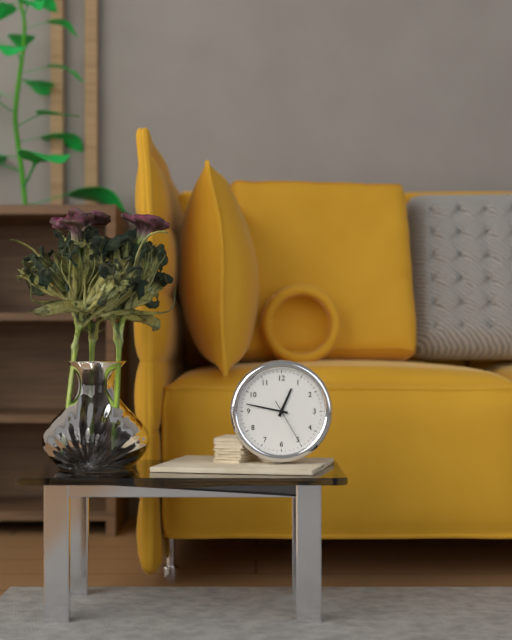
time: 12:47
